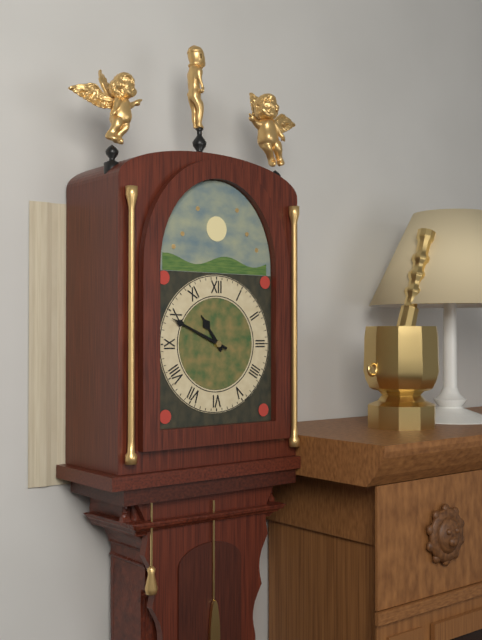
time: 10:49
